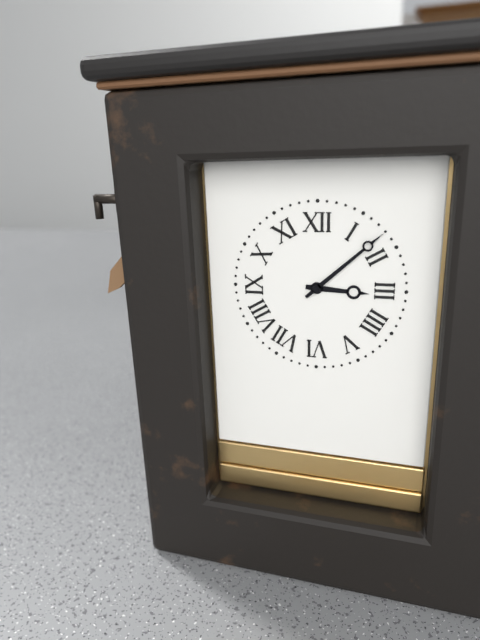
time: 3:08
